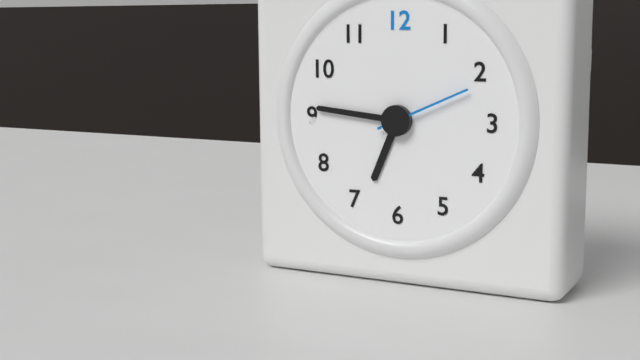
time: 6:46:11
